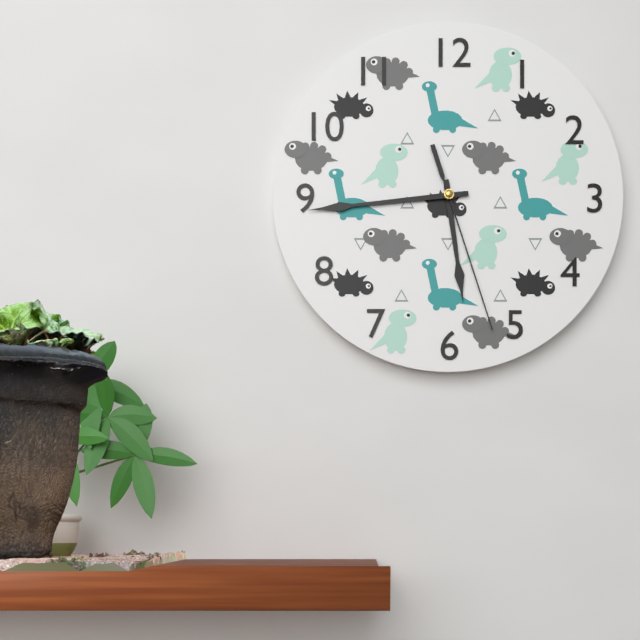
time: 5:44:27
